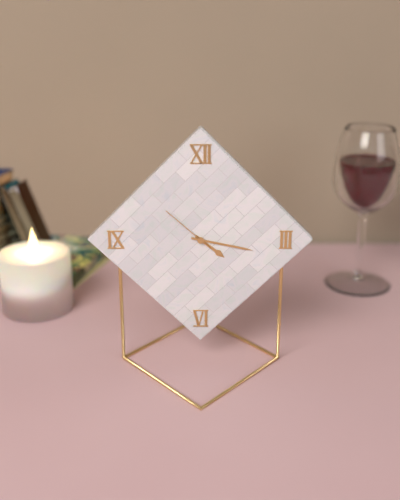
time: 4:17:52
